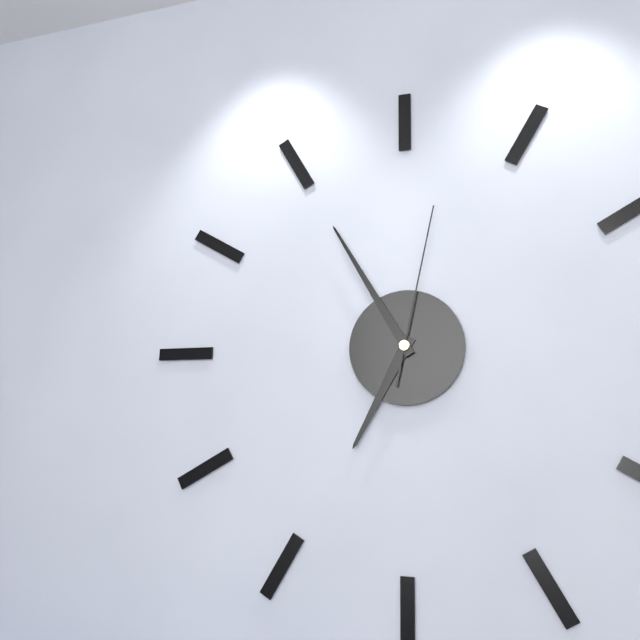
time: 6:55:02
